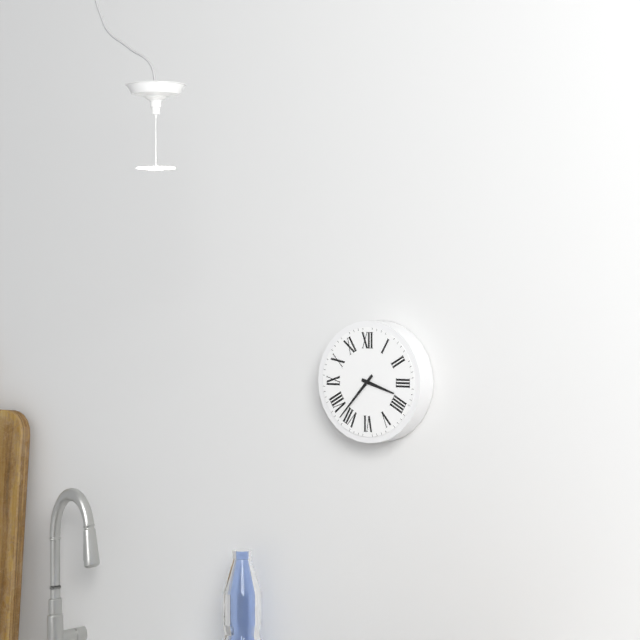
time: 3:37
